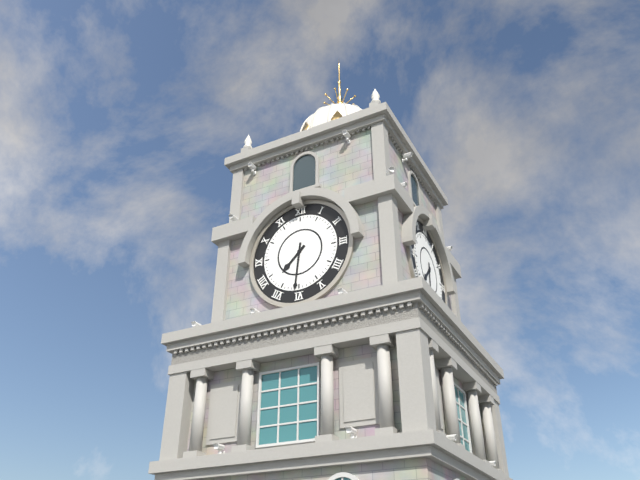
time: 7:31
